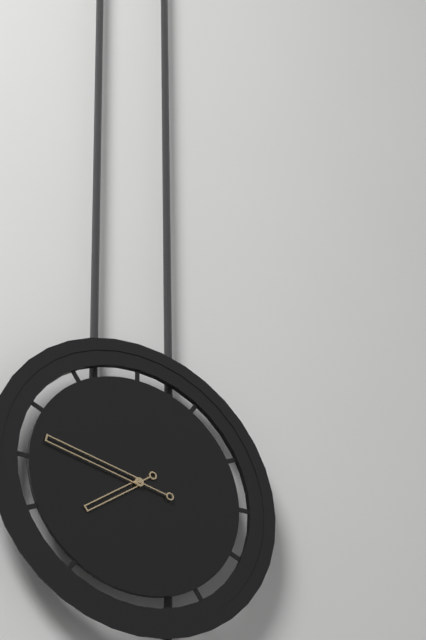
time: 7:47
